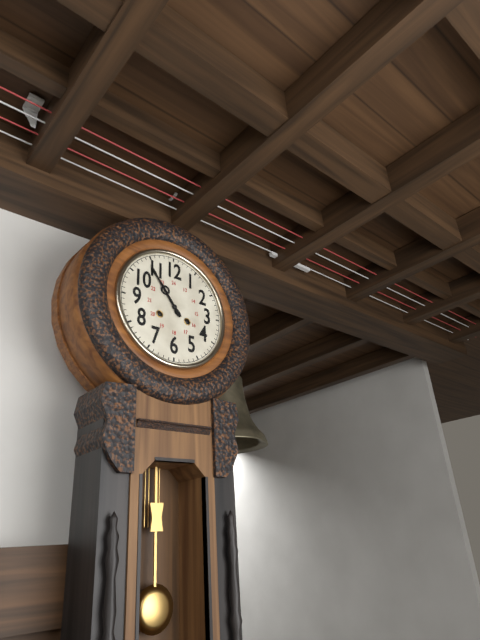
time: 10:54
